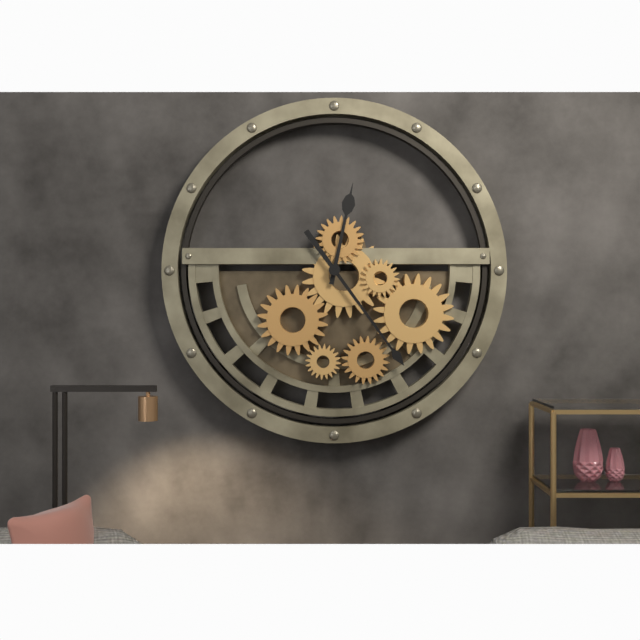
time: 12:24
